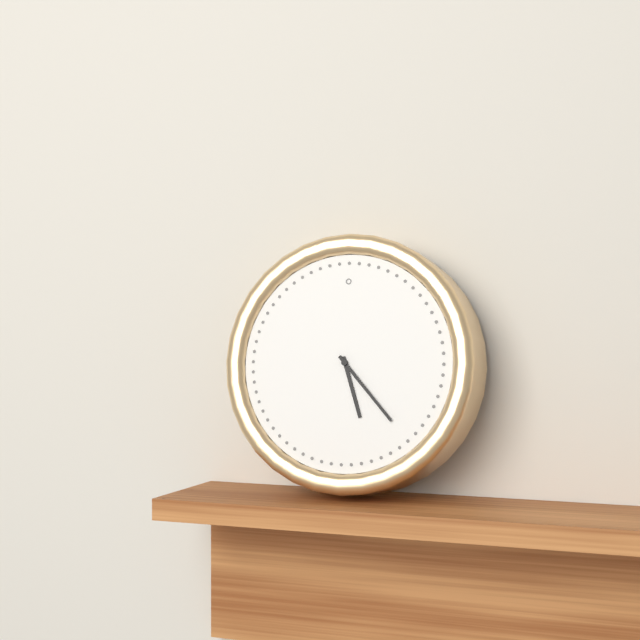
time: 5:23
